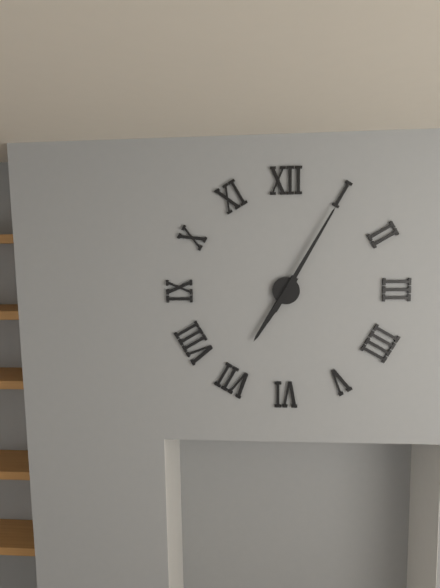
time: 7:05
